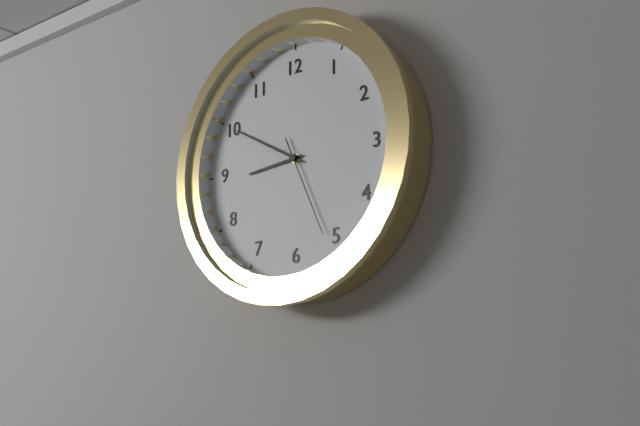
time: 8:50:26
